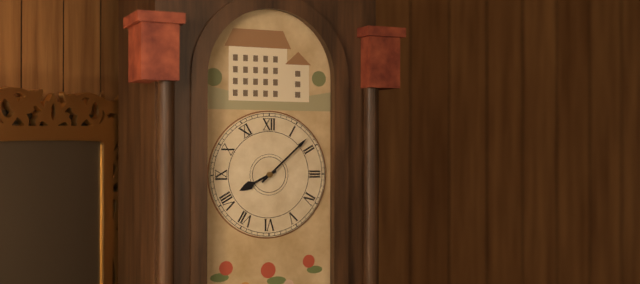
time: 8:08
